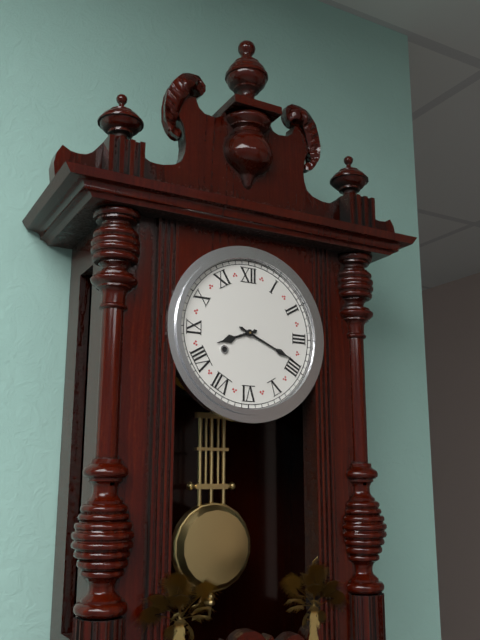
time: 8:19
